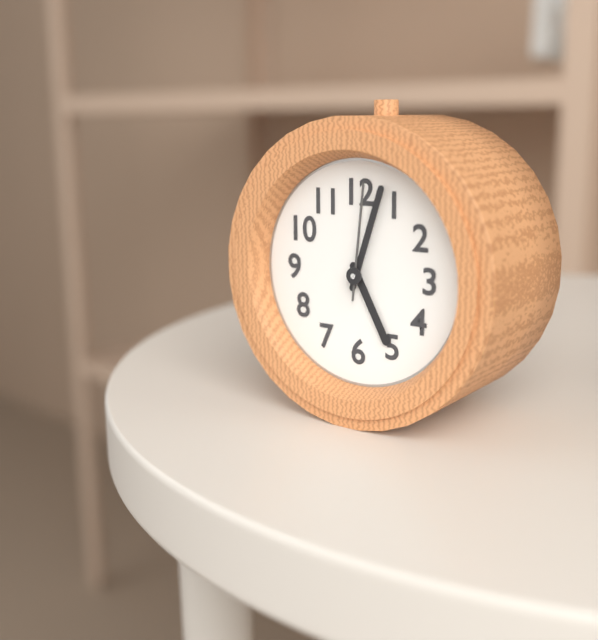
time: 5:03:01
